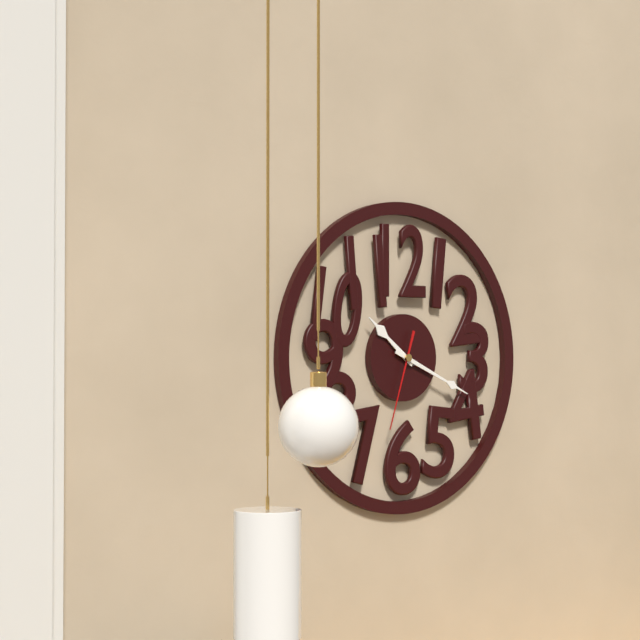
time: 10:19:33
